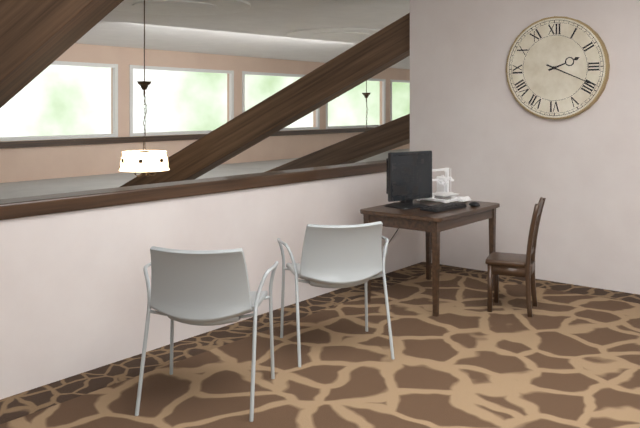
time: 2:19
